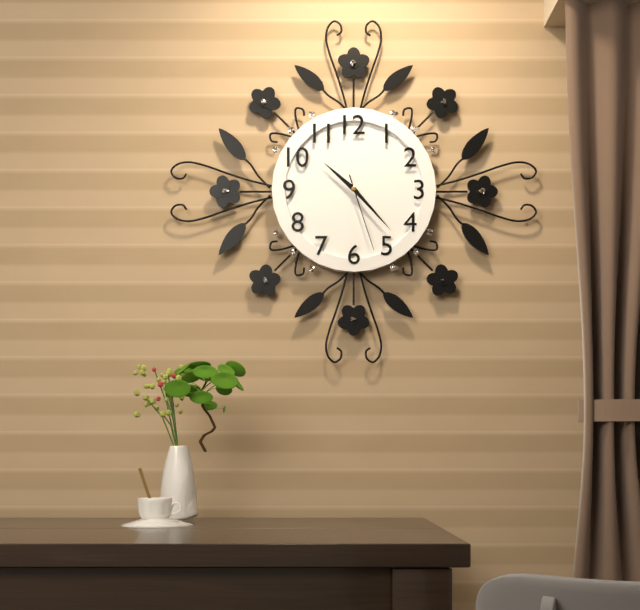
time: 10:23:27
